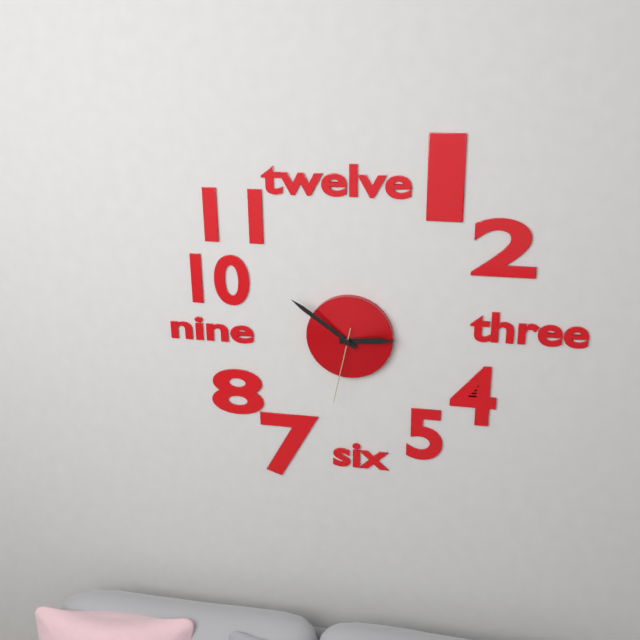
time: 2:51:32
